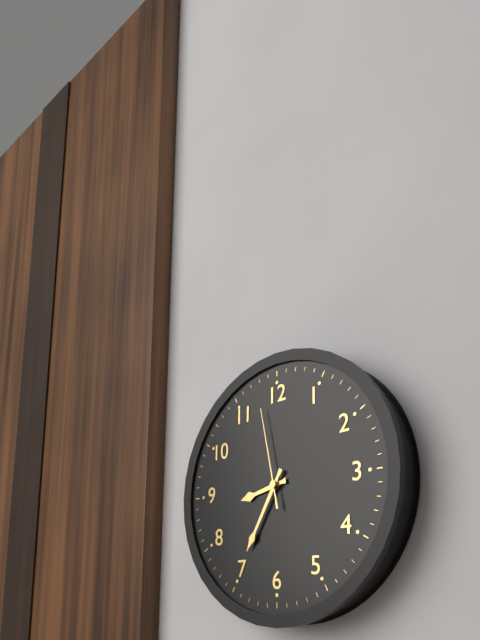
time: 8:35:58
